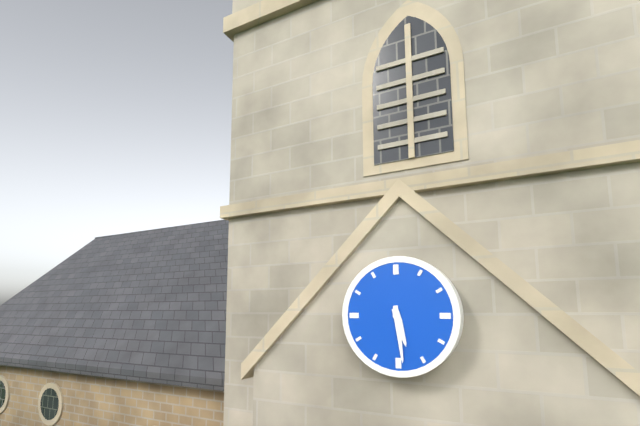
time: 5:29
